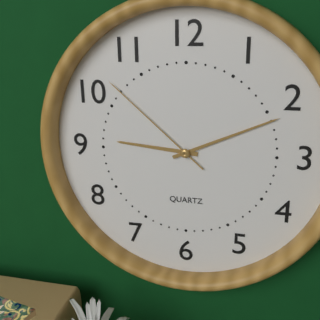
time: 9:11:52
